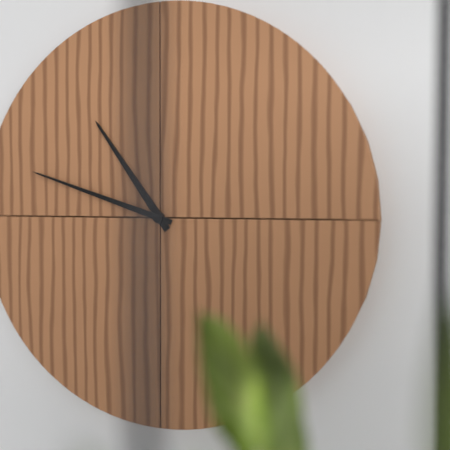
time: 10:48
